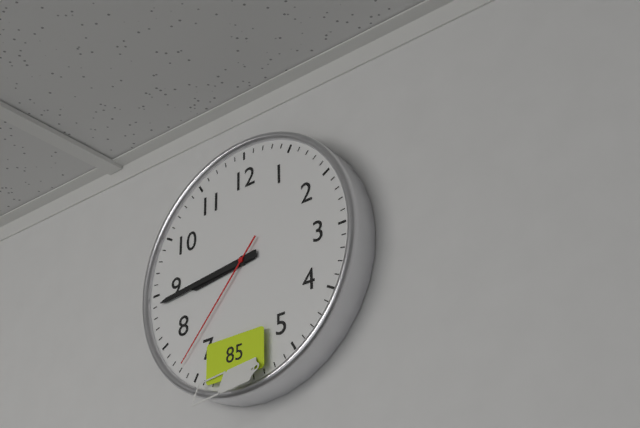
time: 8:44:37
